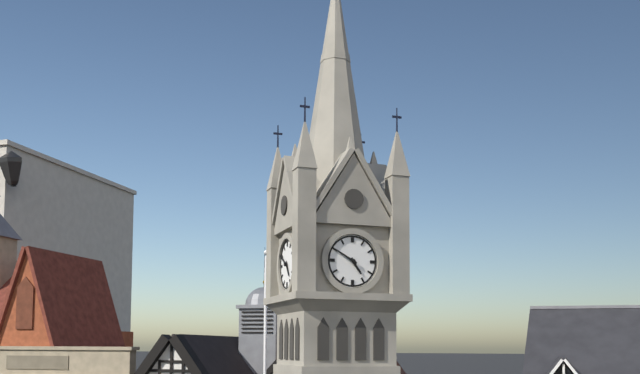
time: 4:50
